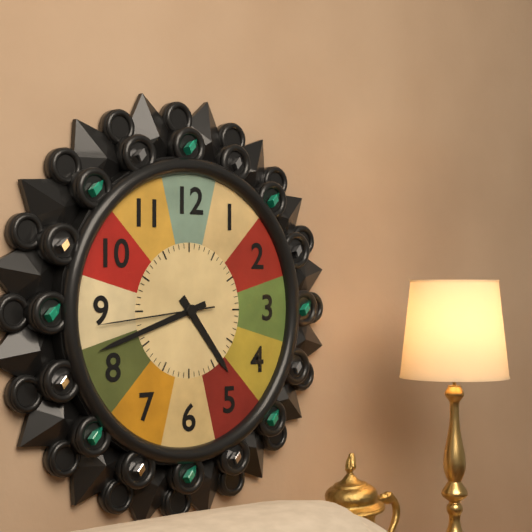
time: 4:42:44
